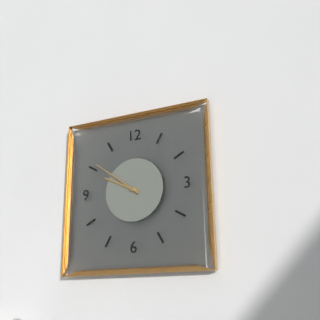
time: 9:51
